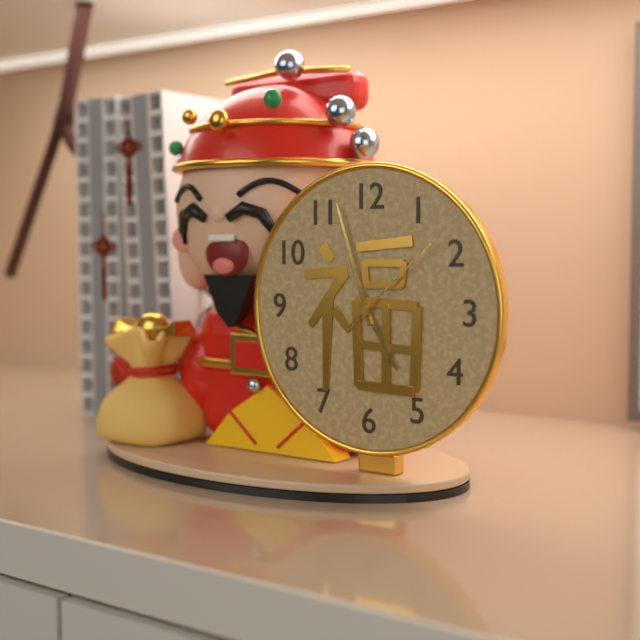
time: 4:57:08
